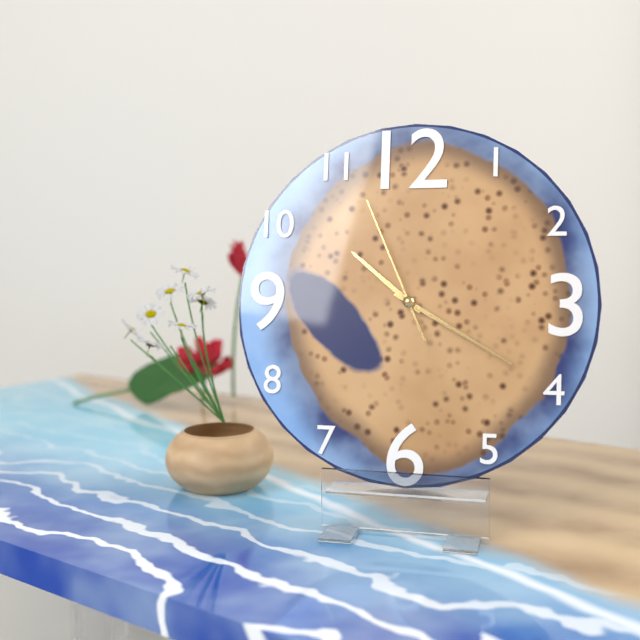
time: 10:20:56
